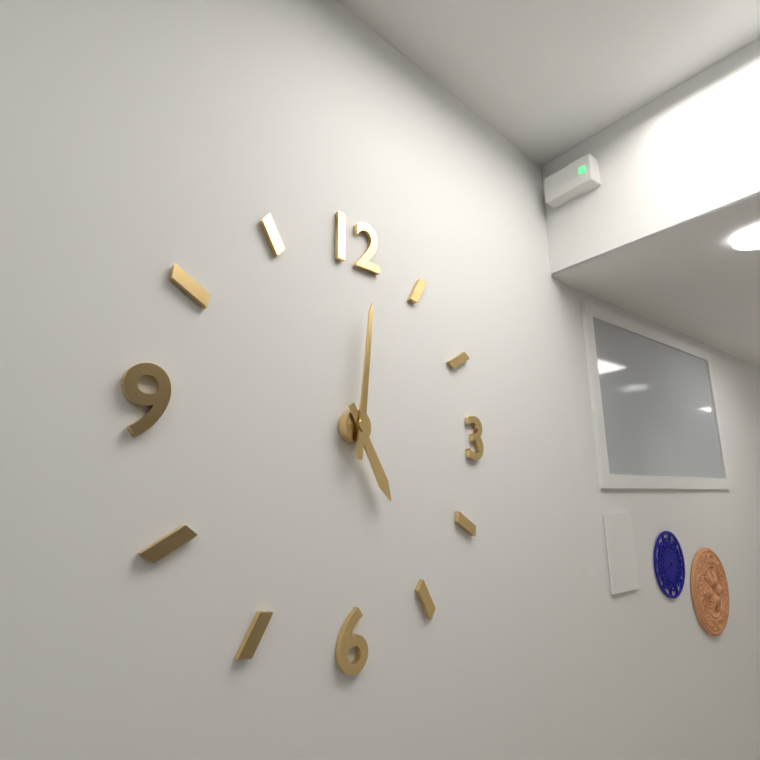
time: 5:01
